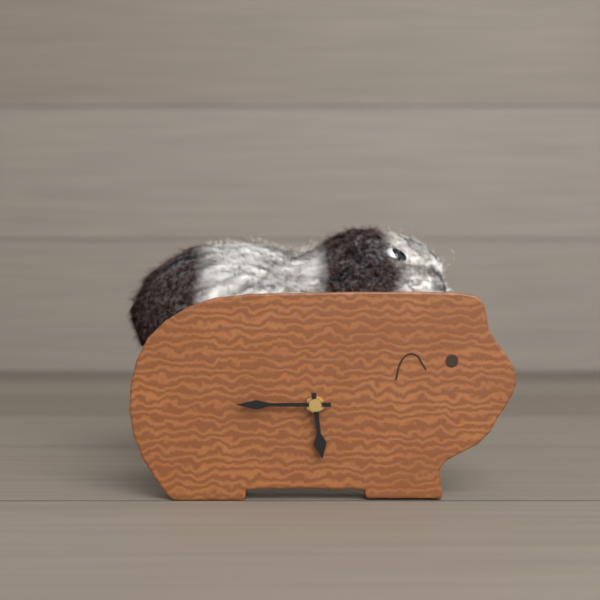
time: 5:45
